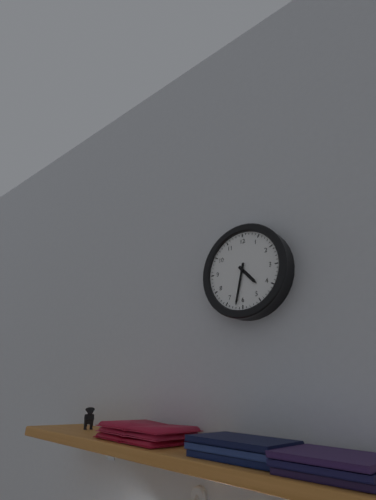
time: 4:32
